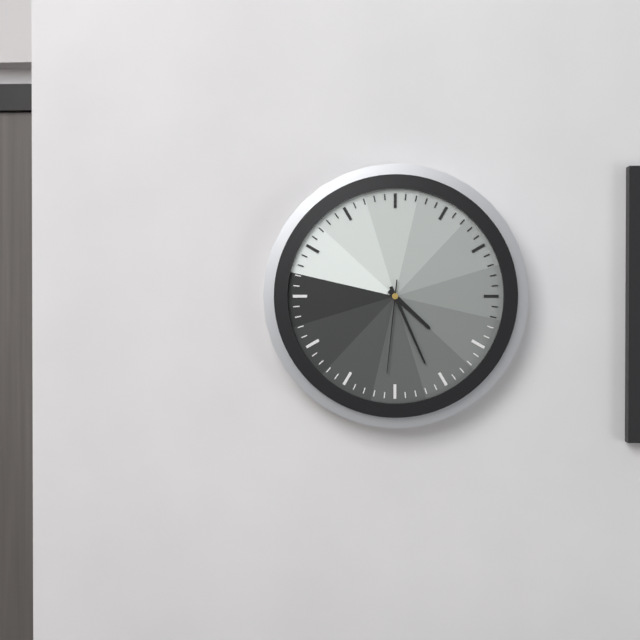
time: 4:26:31
